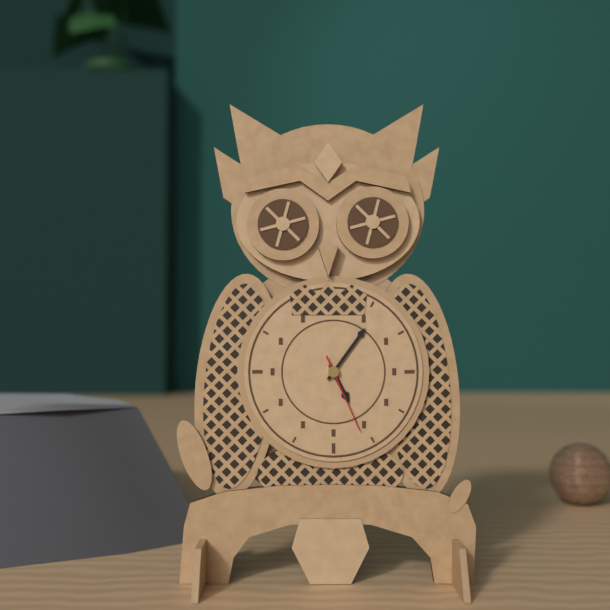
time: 5:06:26
